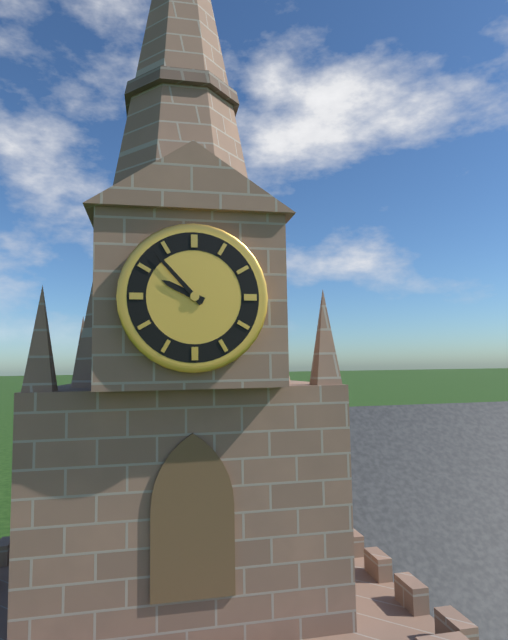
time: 9:53
